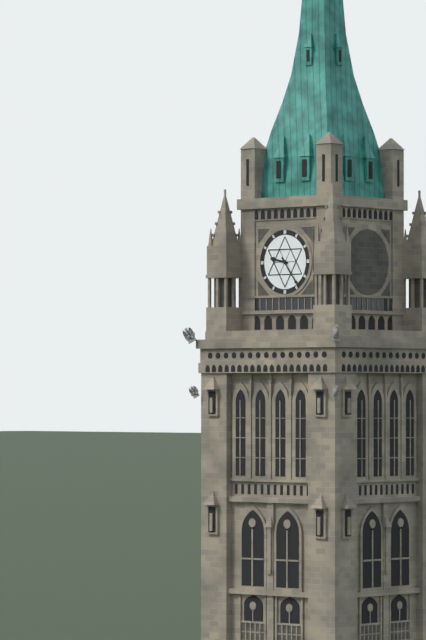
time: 9:24
